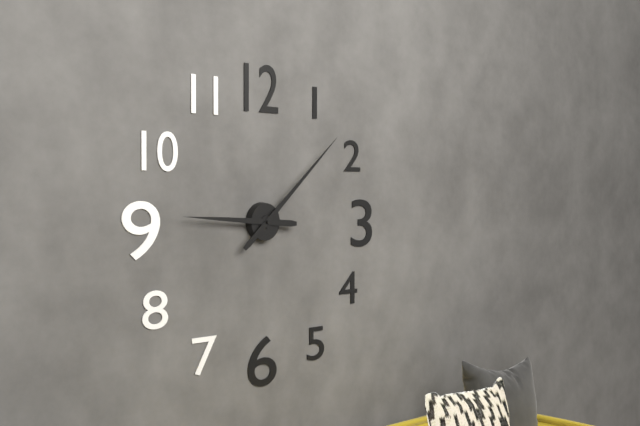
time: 9:08
